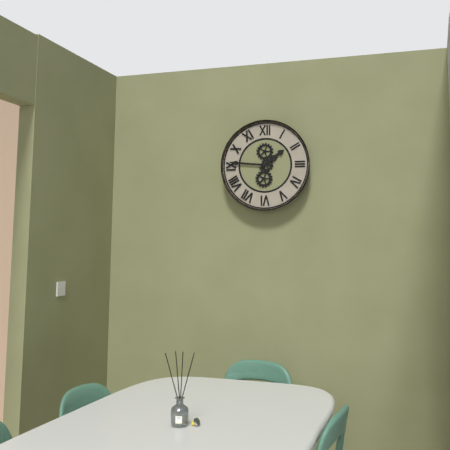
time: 1:46
